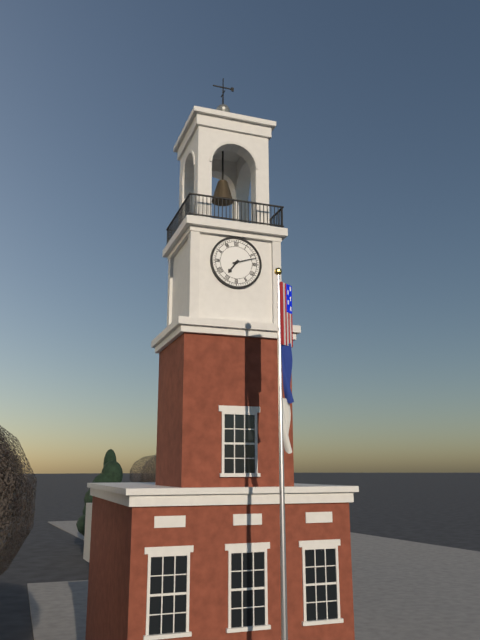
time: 7:12
